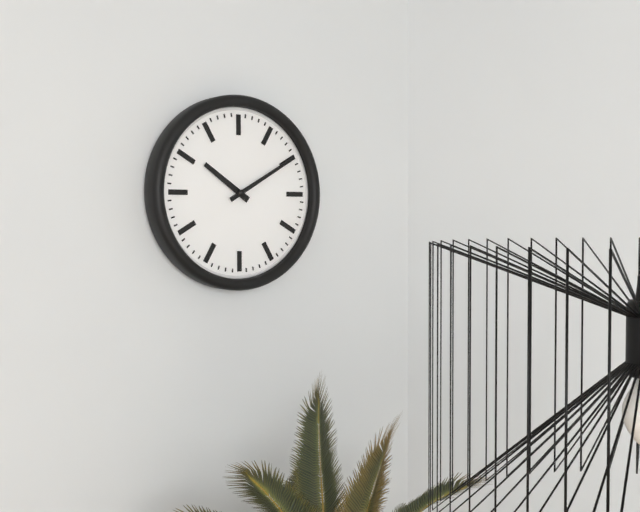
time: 10:10
